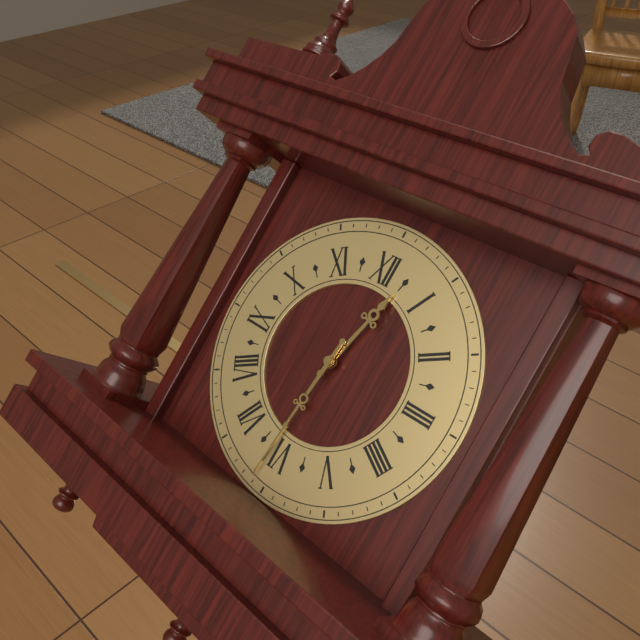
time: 12:31
